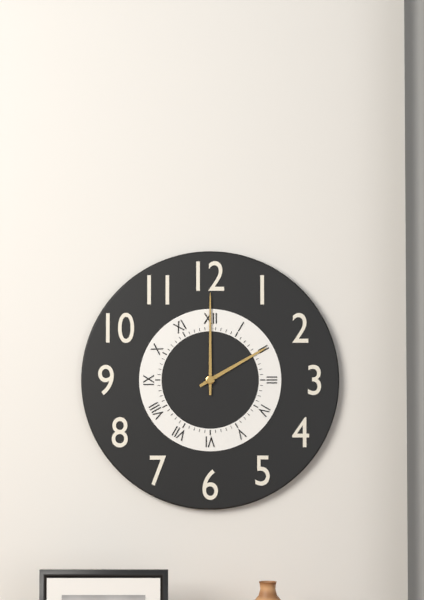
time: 2:00
